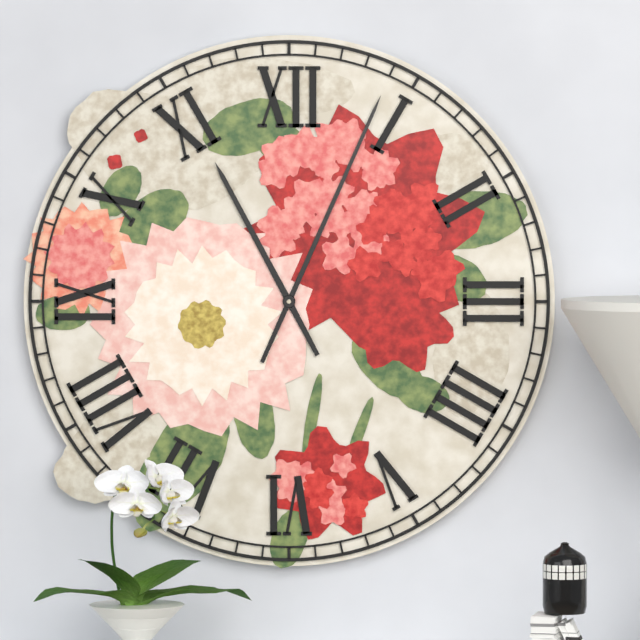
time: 11:04
